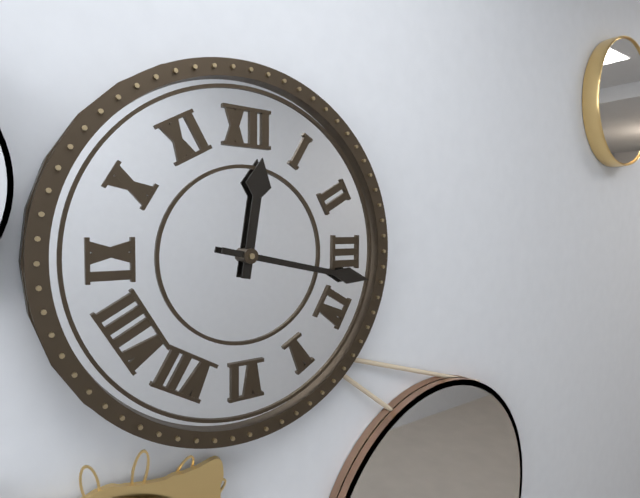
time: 12:17
